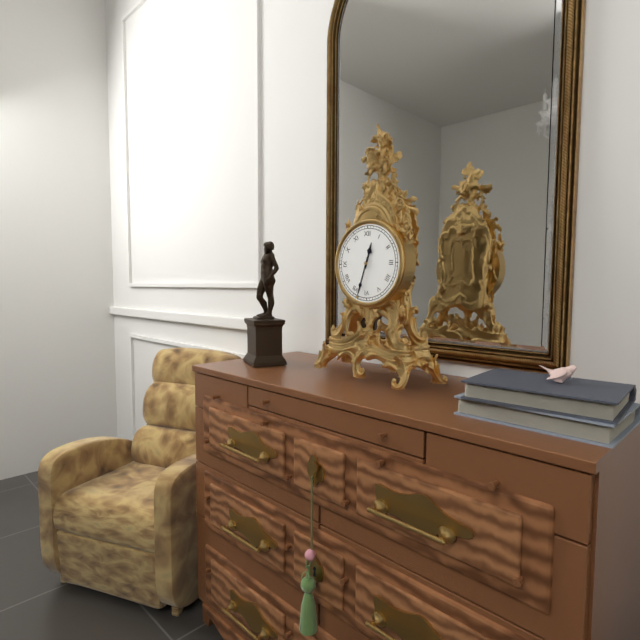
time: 12:33
